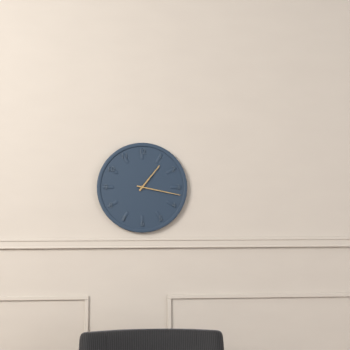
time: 1:17
